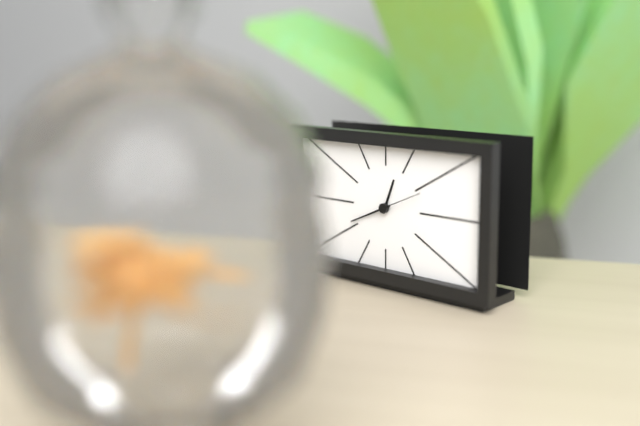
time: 12:41:11
